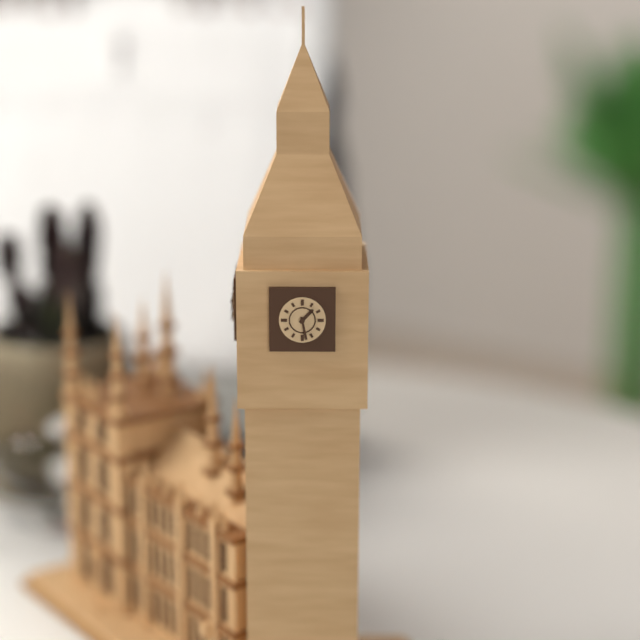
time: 1:28
